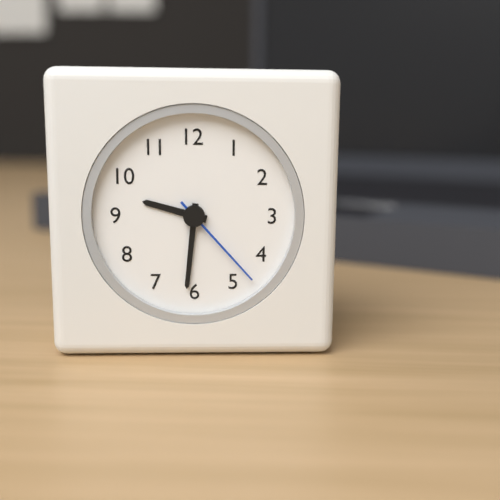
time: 9:31:23
